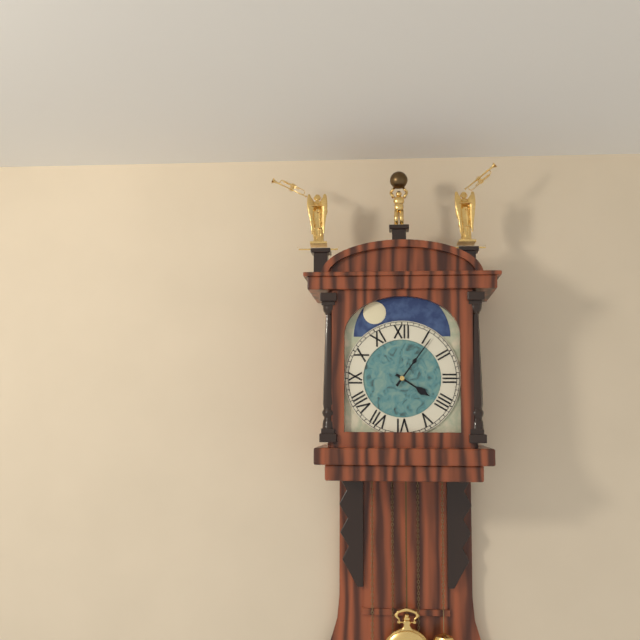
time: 4:06
